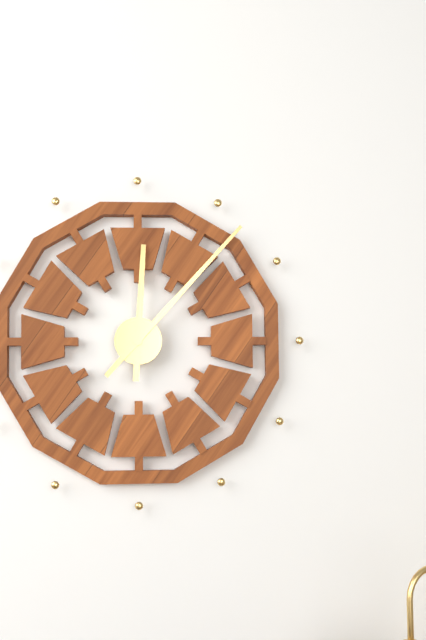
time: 12:07
